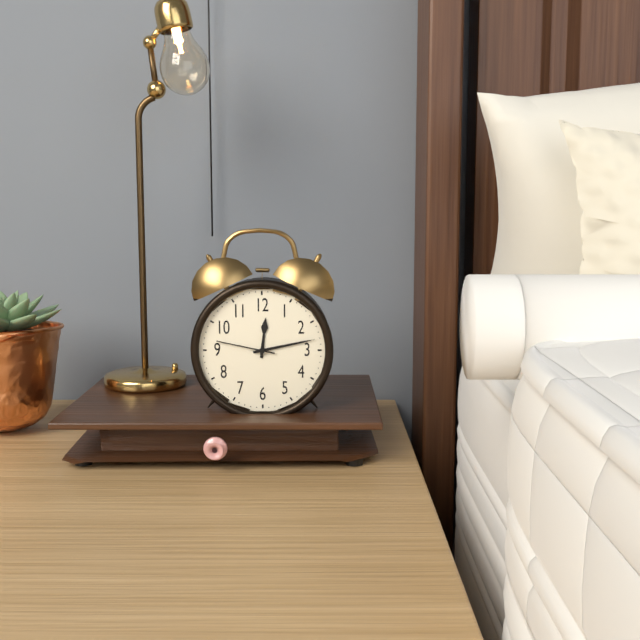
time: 12:13:47
